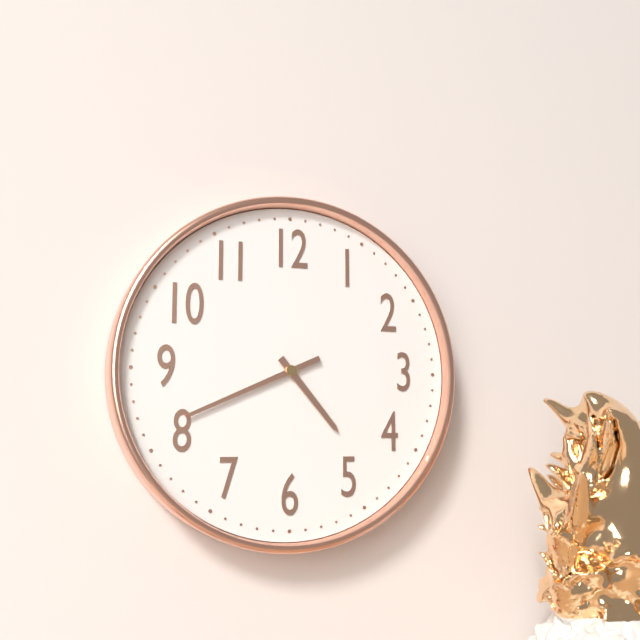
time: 4:41
